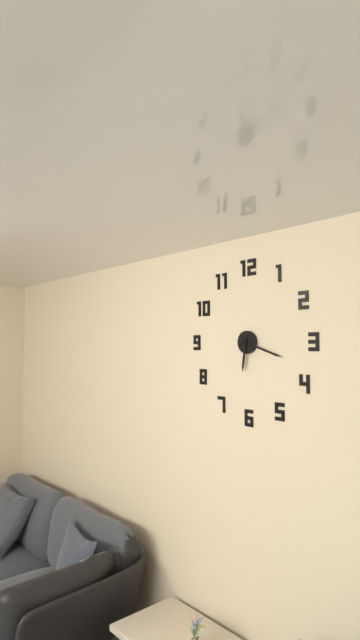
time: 6:18
